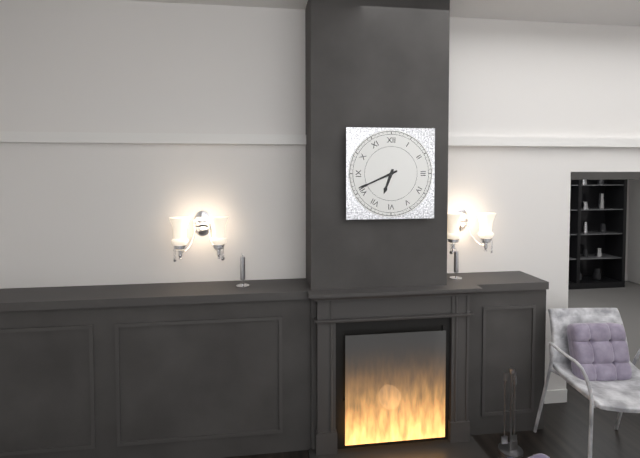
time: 6:41
